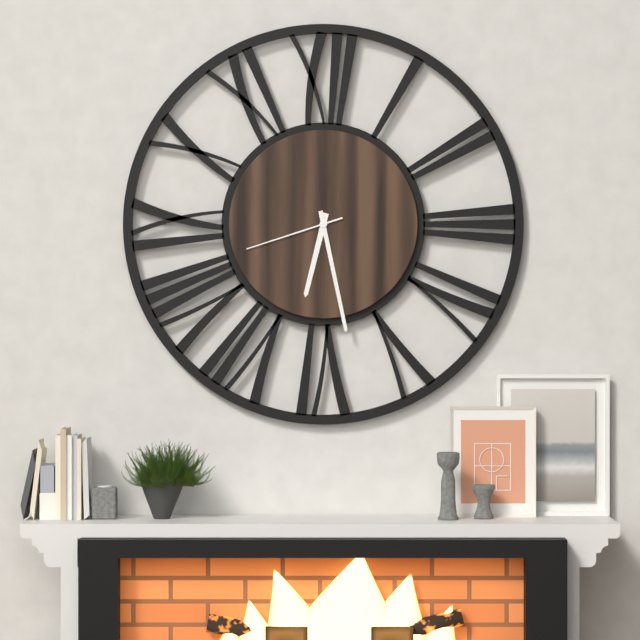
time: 6:28:42
